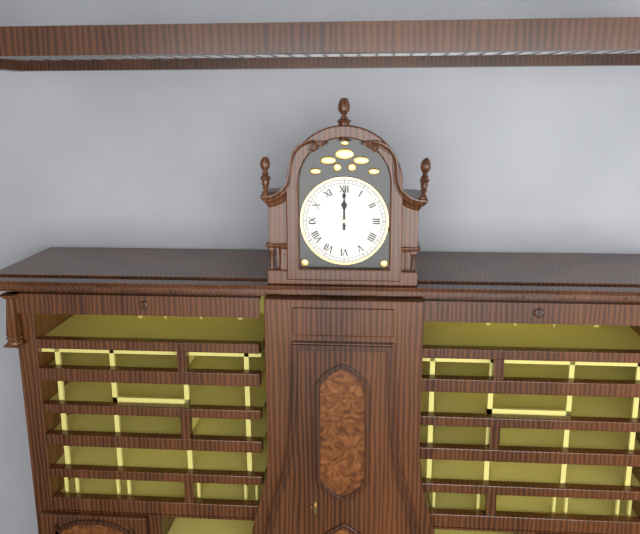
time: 12:00
